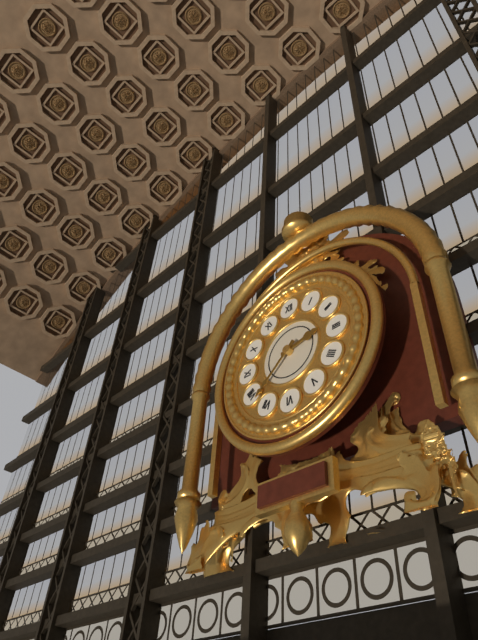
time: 2:38
